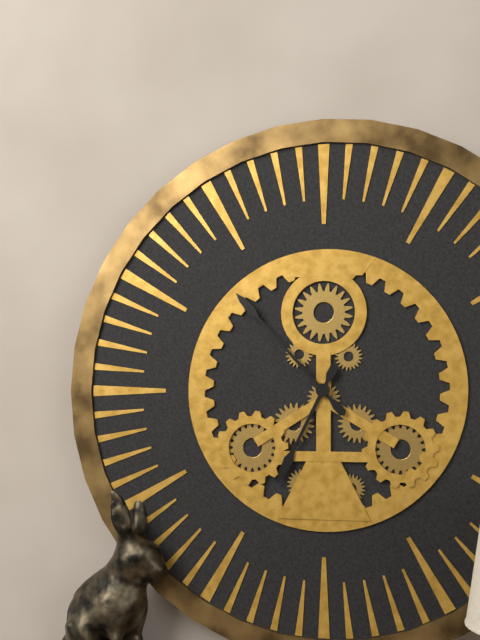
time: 6:53
